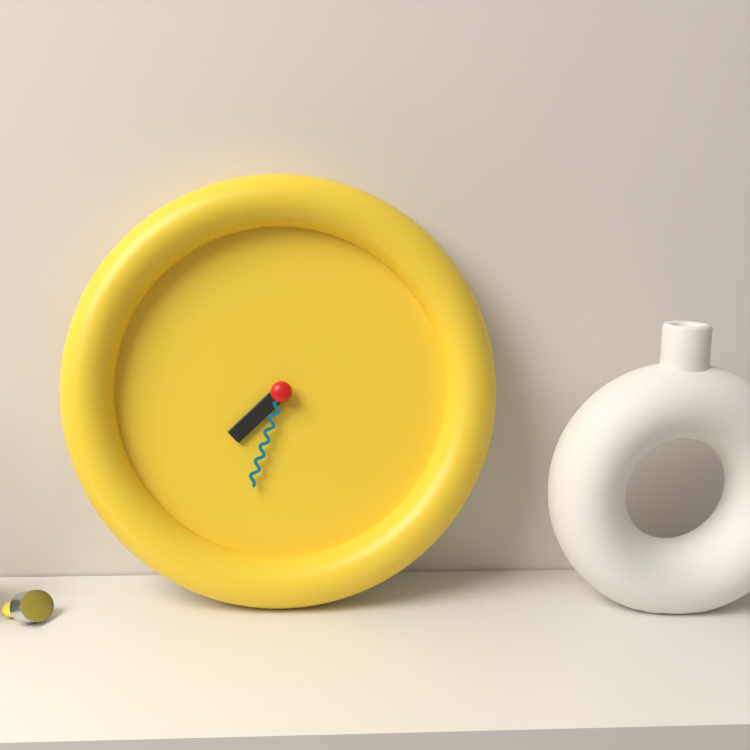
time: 7:33
